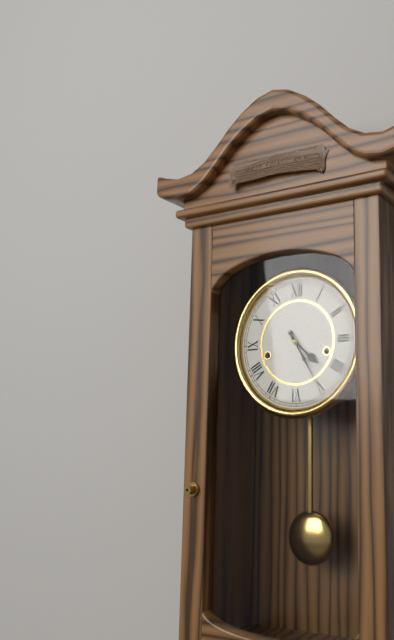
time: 4:25
